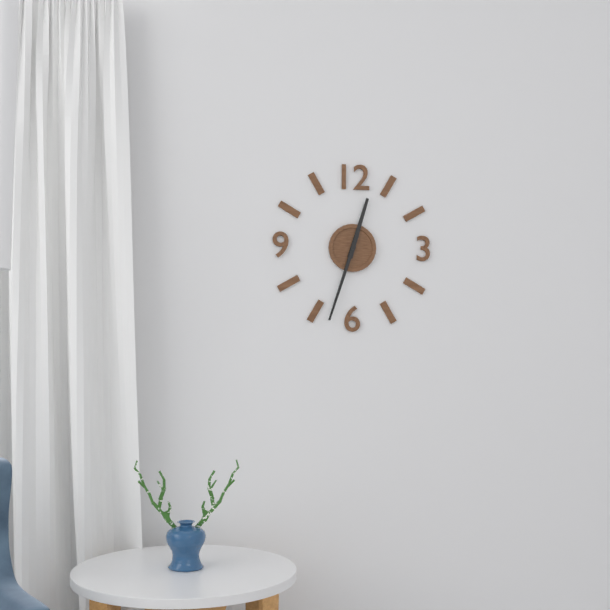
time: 12:33
